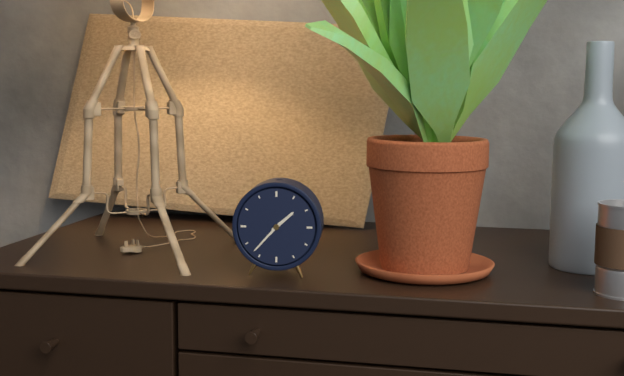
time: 1:37
